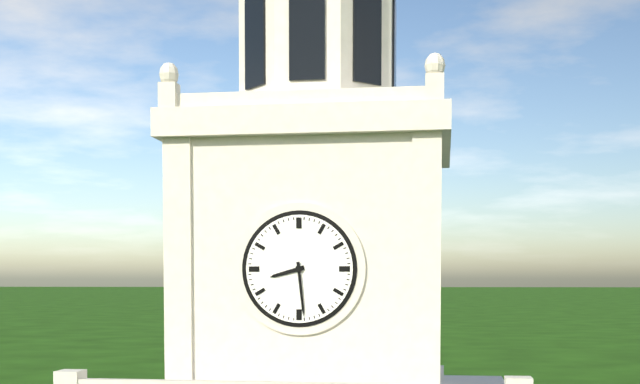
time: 8:29
